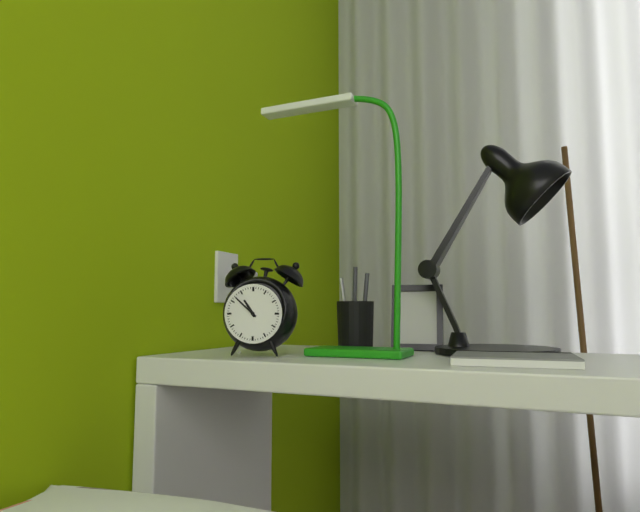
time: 10:52
